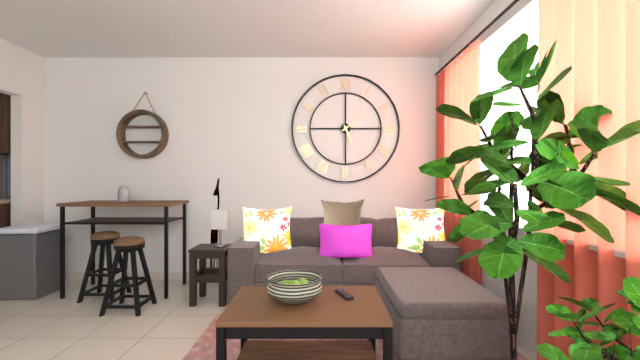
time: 5:09
